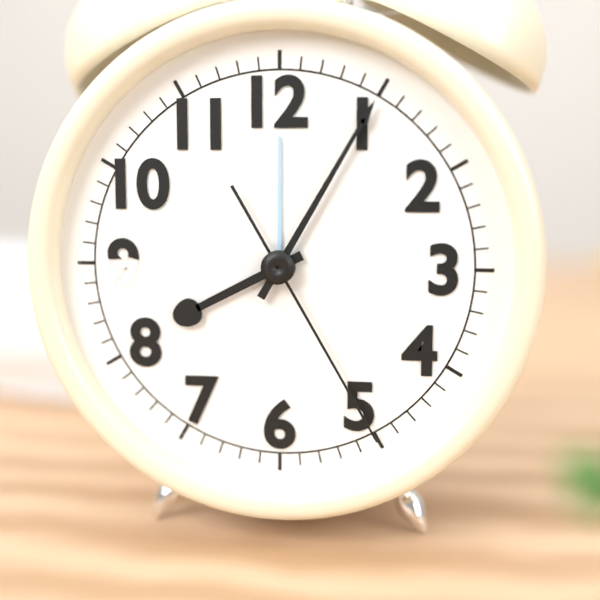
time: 8:05:25
